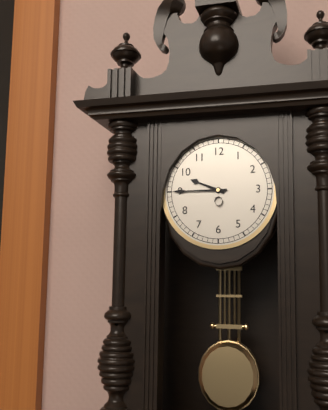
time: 9:45
